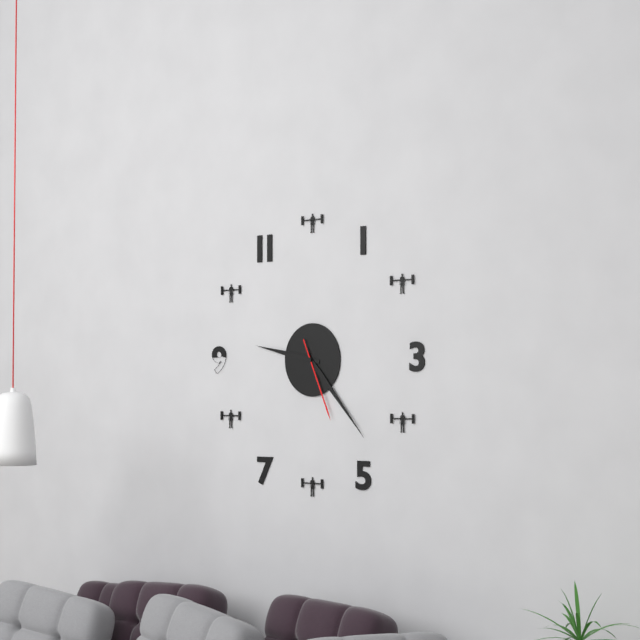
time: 9:23:26
